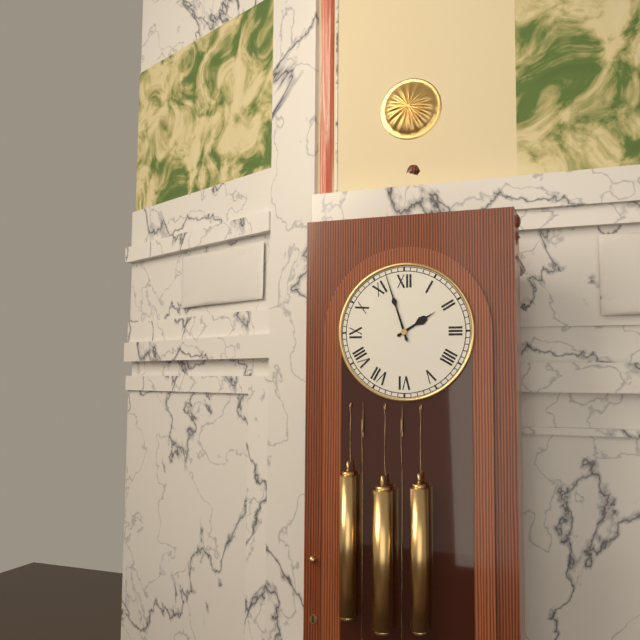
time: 1:57
